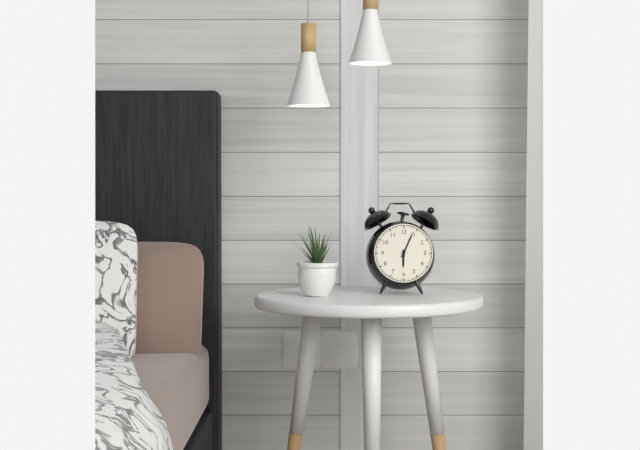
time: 6:04
